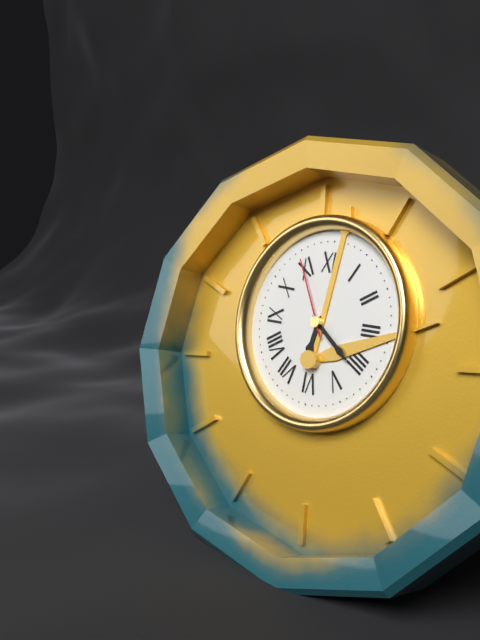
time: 6:21:55
